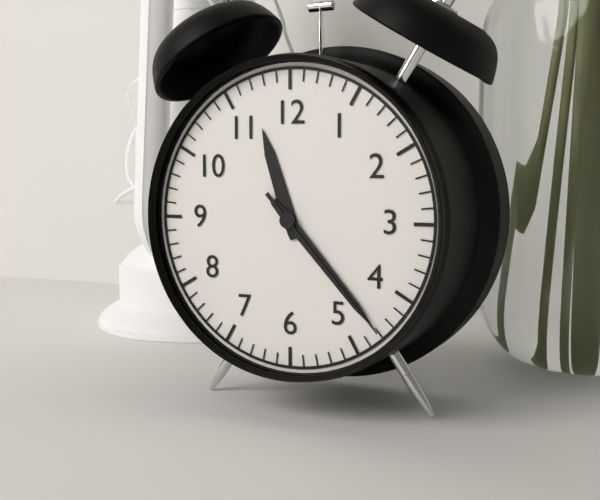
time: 11:23:23
